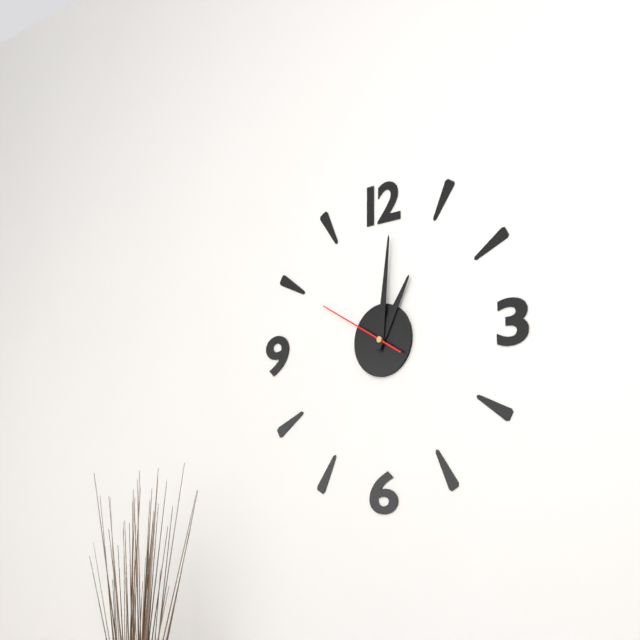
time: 1:01:50
